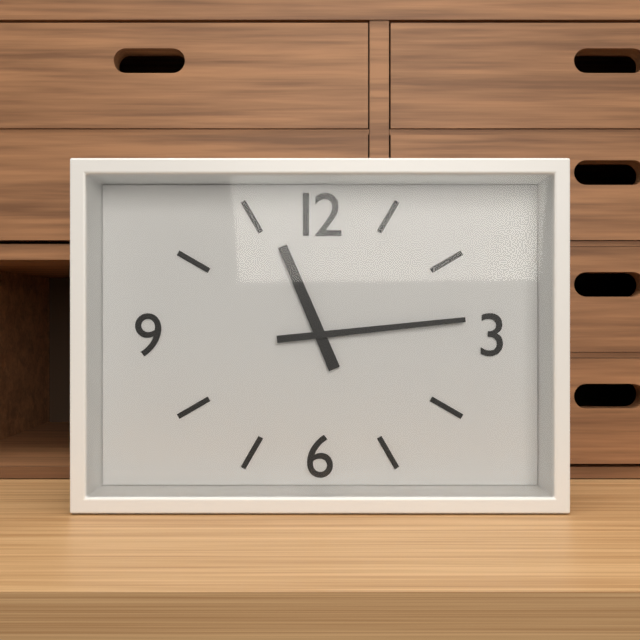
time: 11:14
